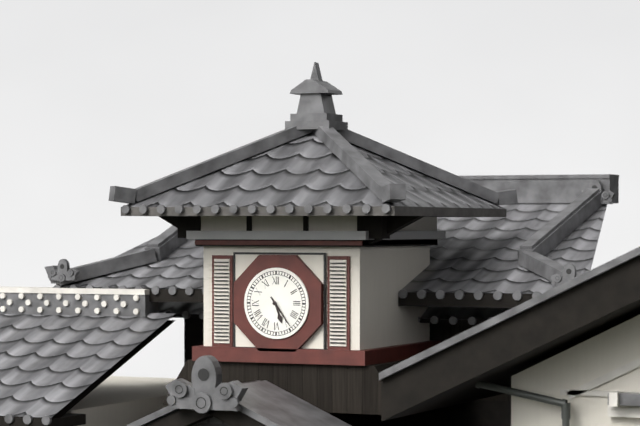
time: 5:24
